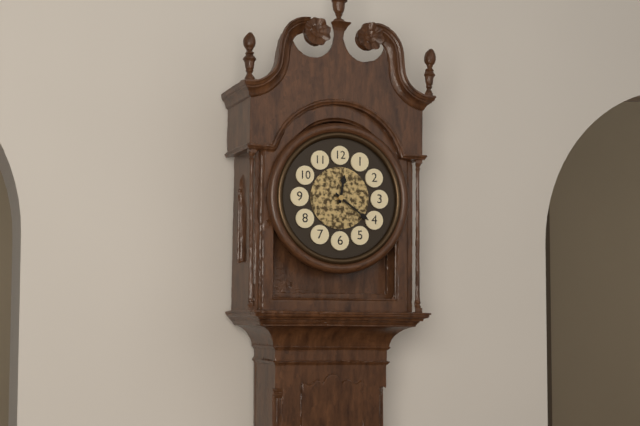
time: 12:21
